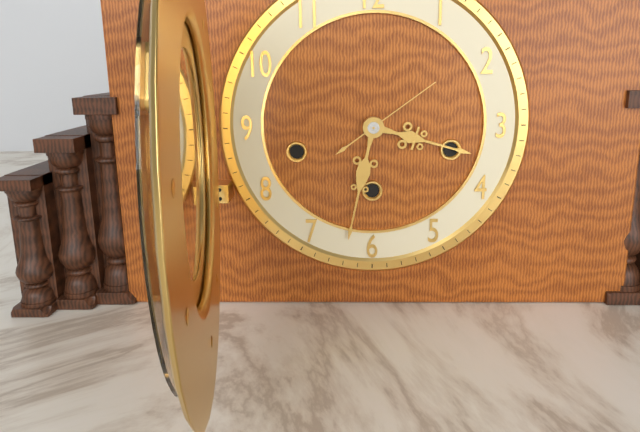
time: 3:32:09
